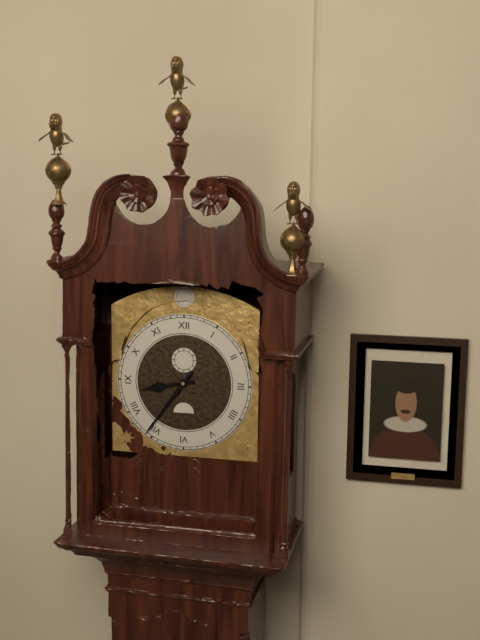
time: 8:36
